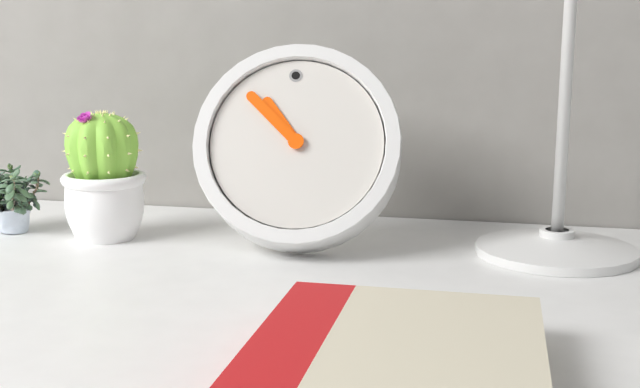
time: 10:53
